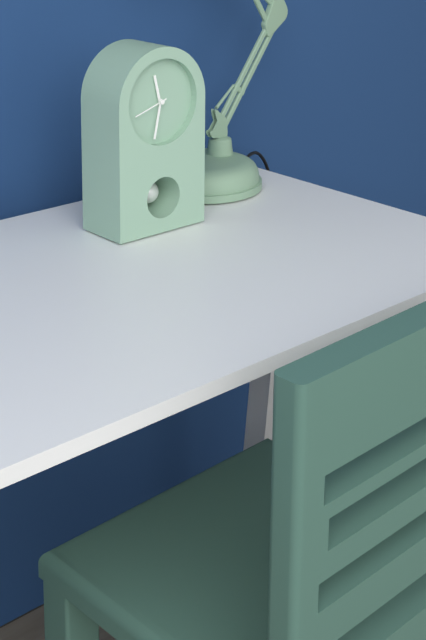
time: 11:32
